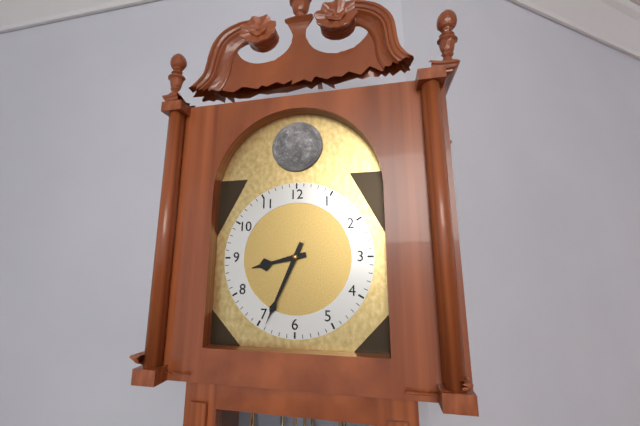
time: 8:34
